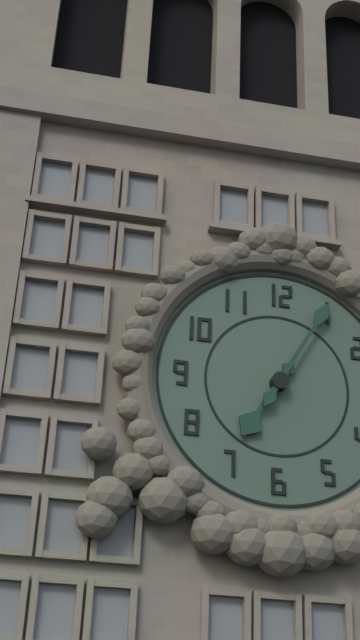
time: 7:05
